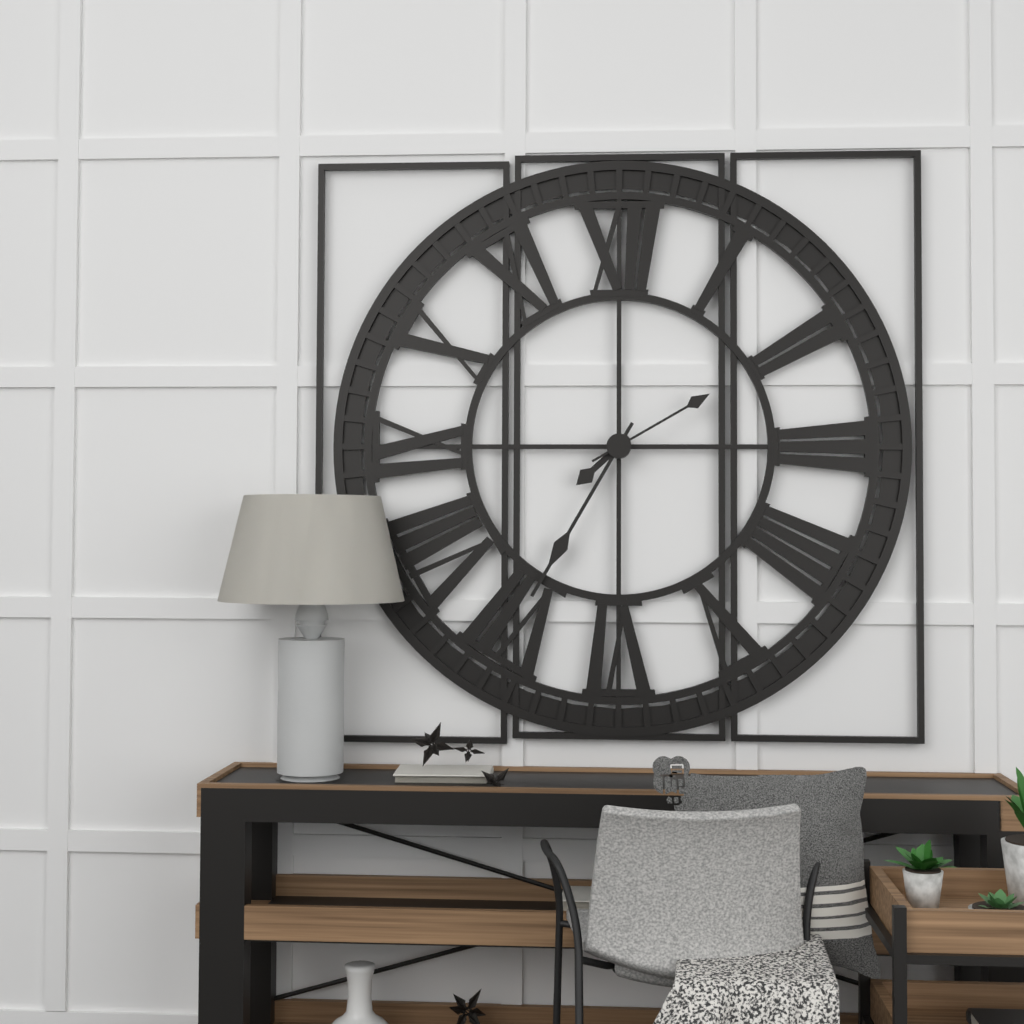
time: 7:35:10
